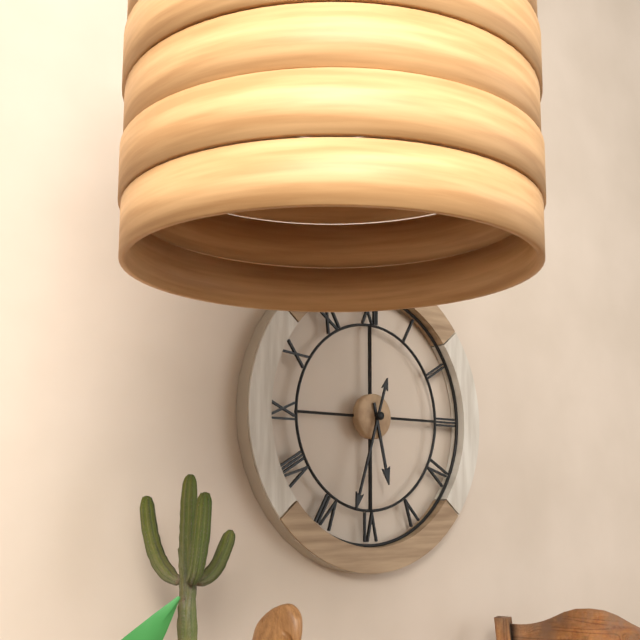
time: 5:33
